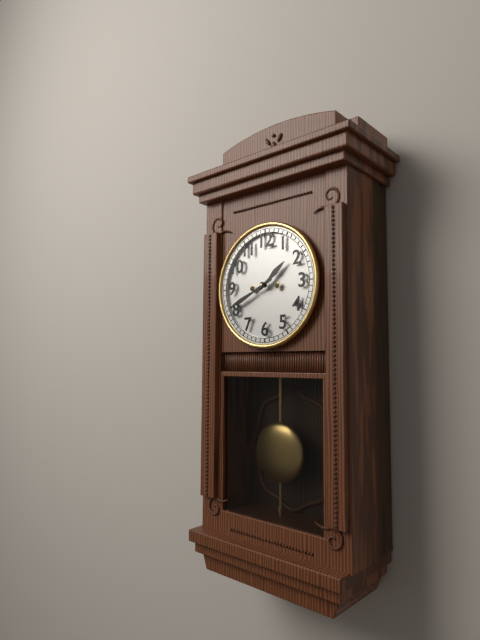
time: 1:41
